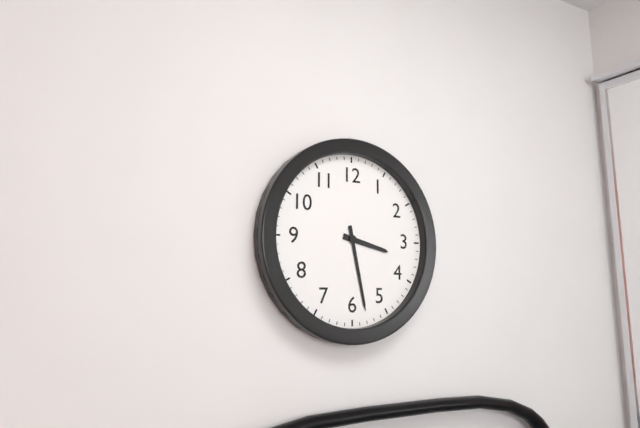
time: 3:28
